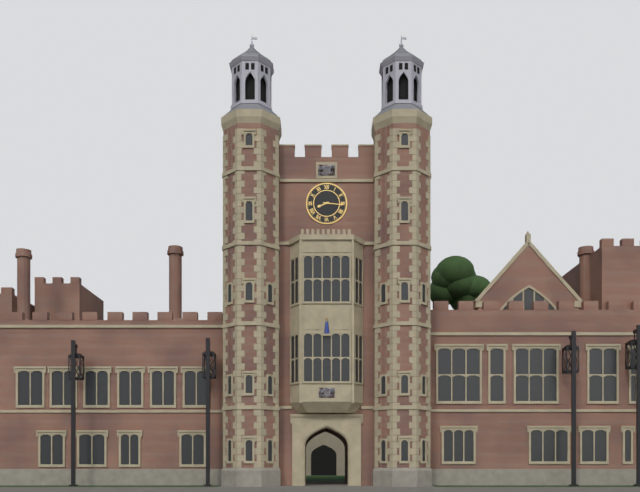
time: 8:16
